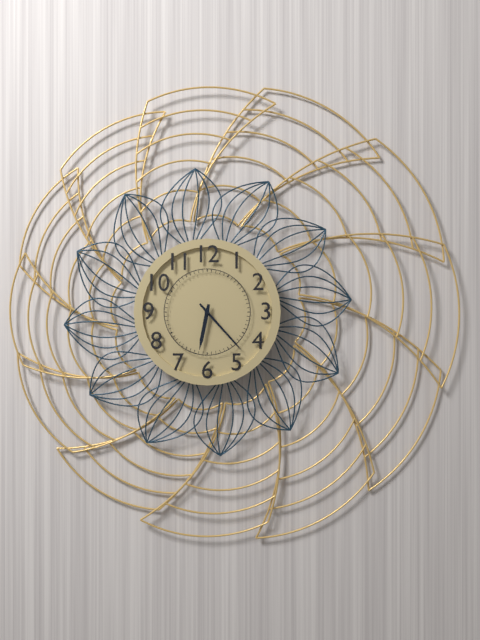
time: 6:23
